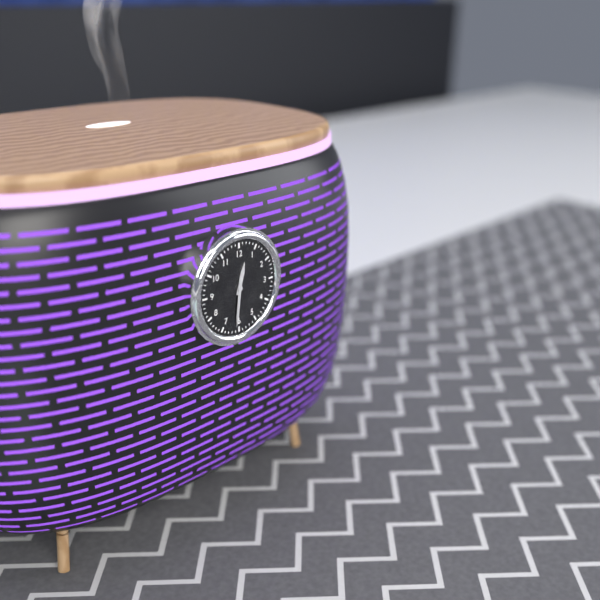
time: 12:31
